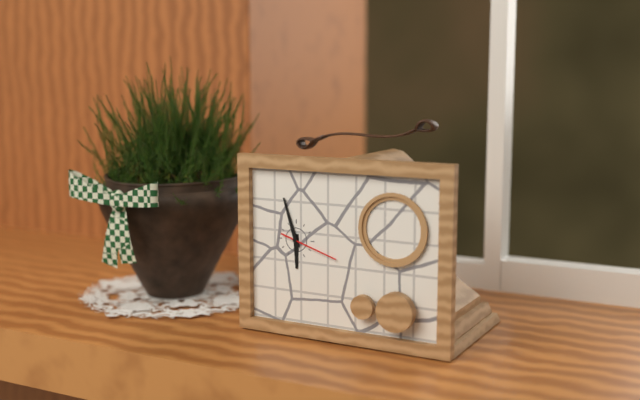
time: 5:57:18
